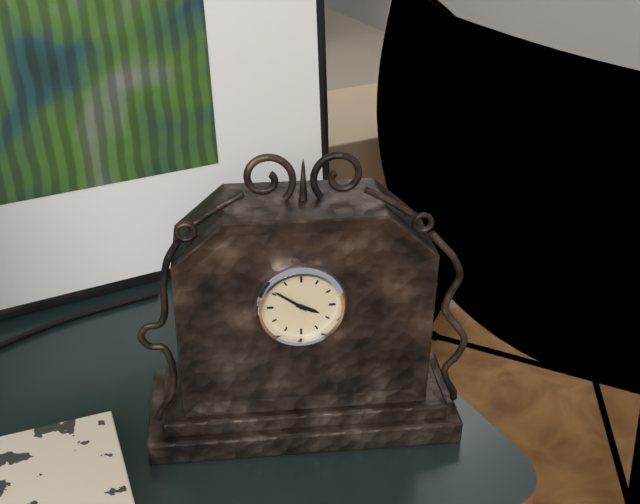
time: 3:51
